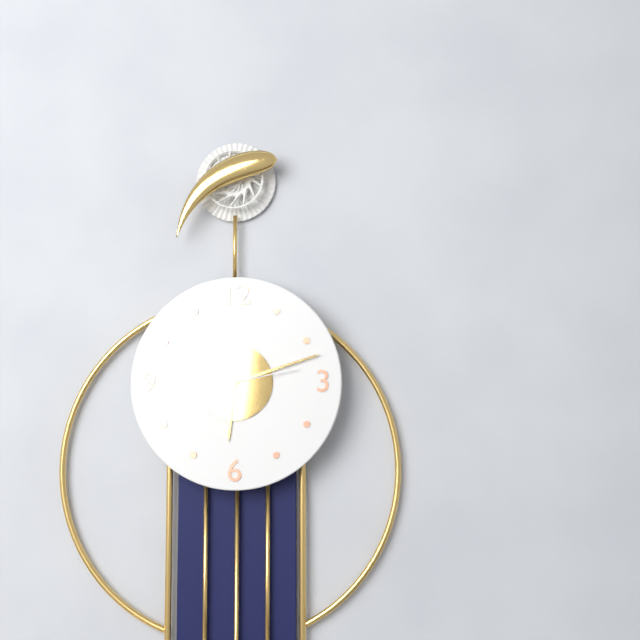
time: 6:12:13
